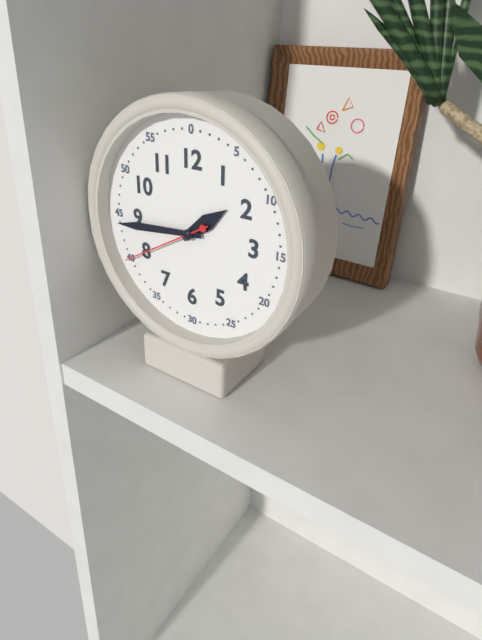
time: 1:44:40
